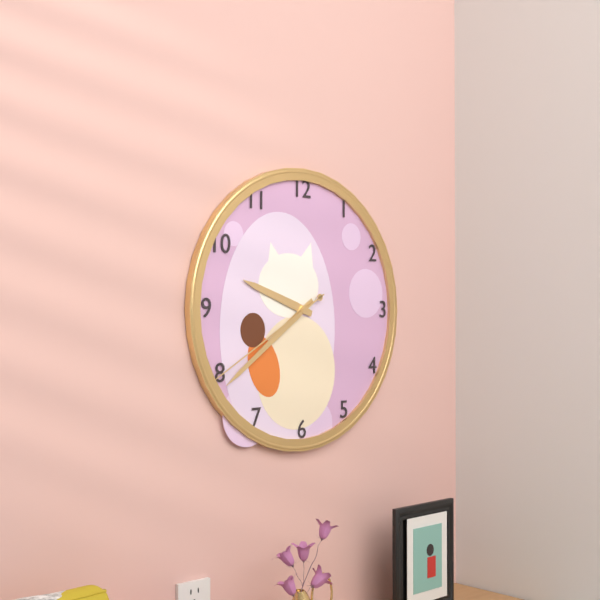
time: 9:39:40
